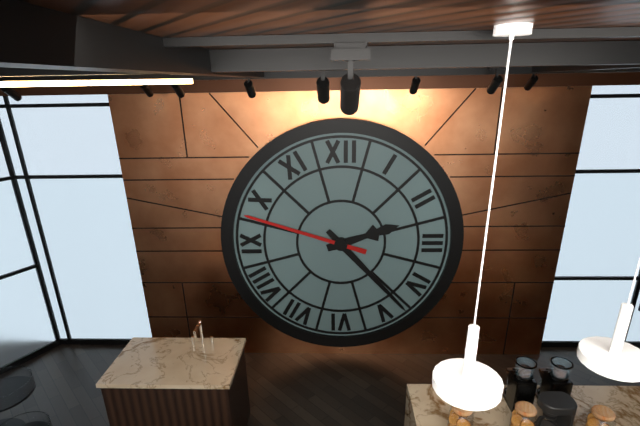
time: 2:23:48
